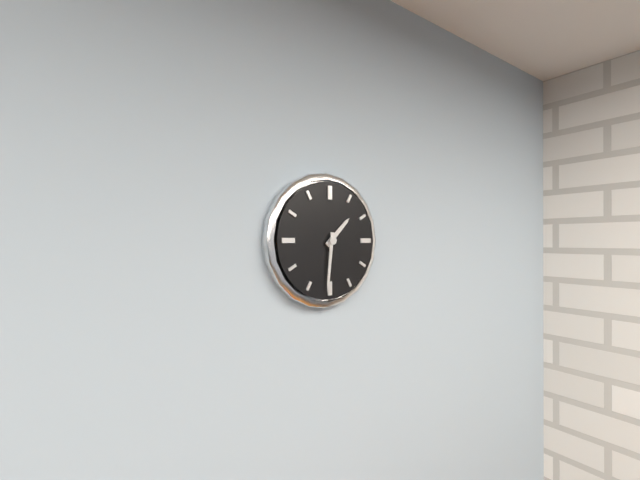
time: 1:31
